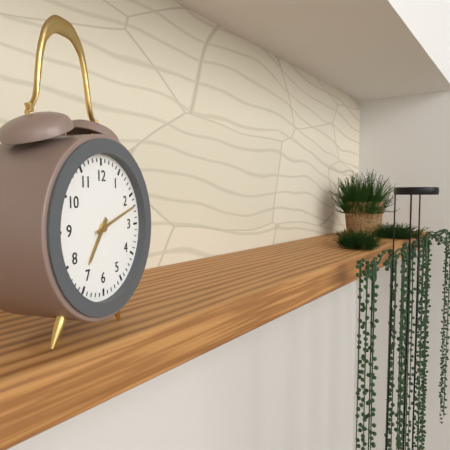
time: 7:12
